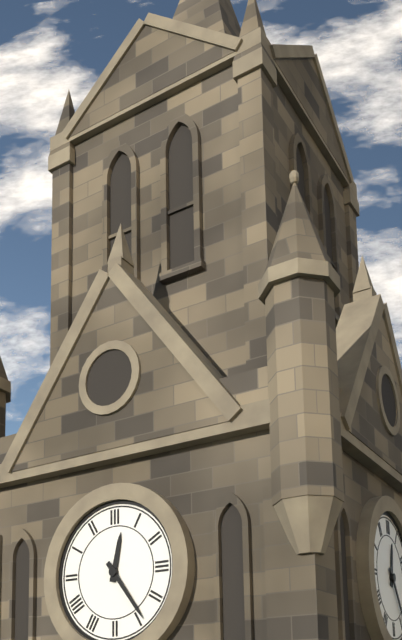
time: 12:24
